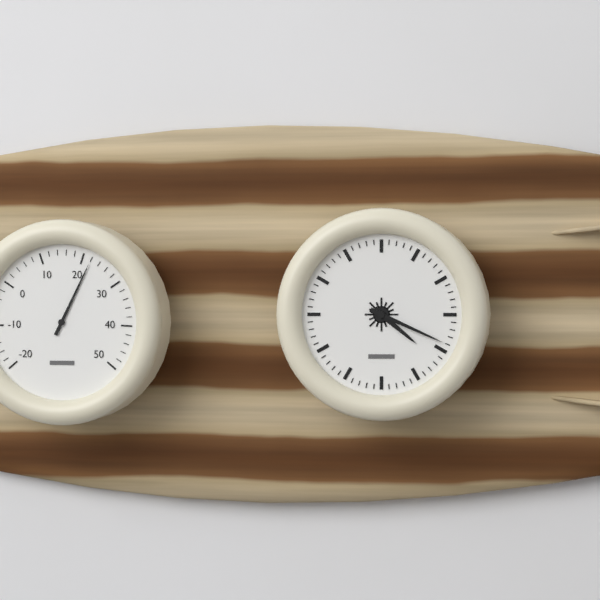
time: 4:19
